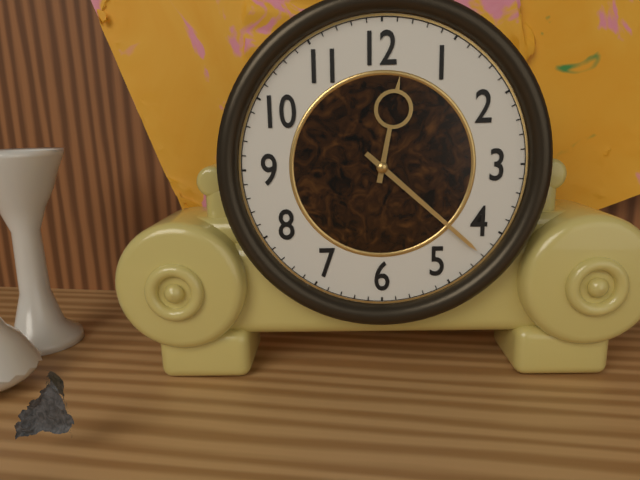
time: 12:22
